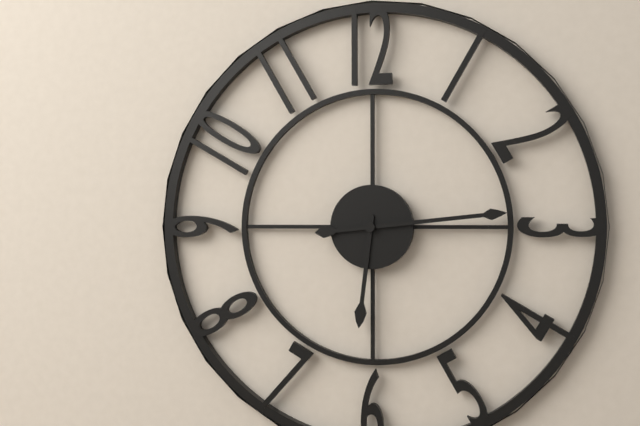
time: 6:14
